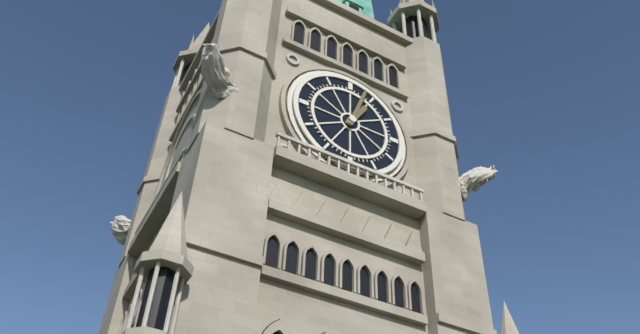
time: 1:03
